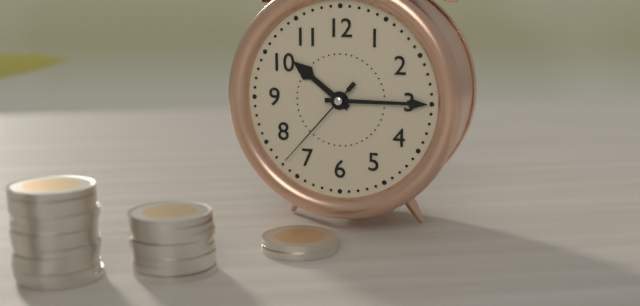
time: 10:15:37
